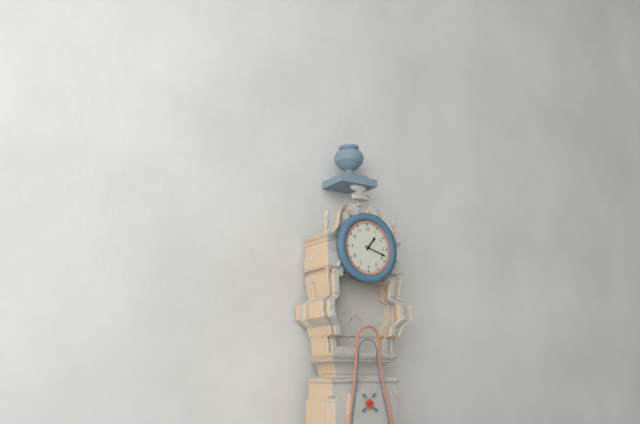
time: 1:18
